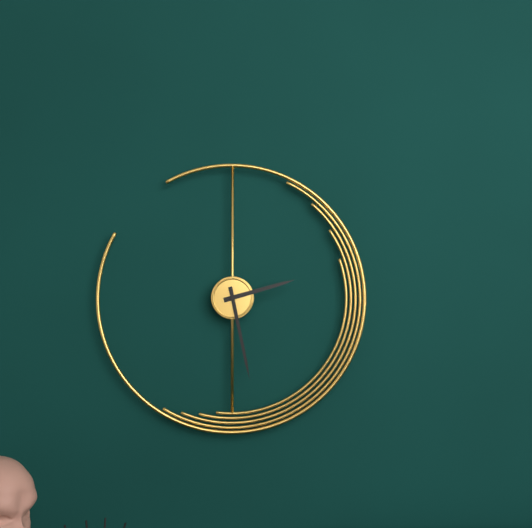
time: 2:28
